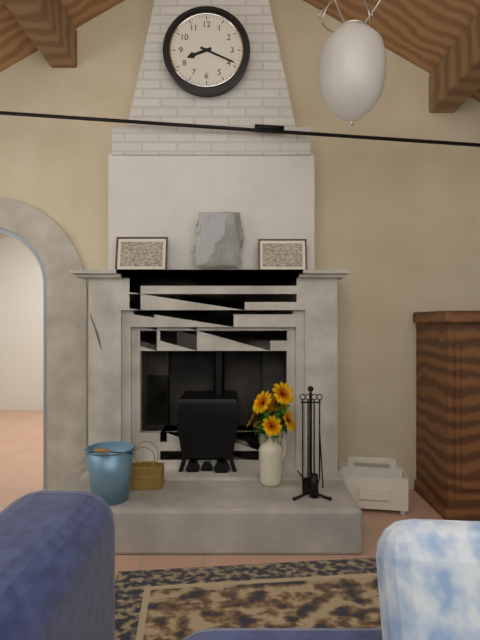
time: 8:19
